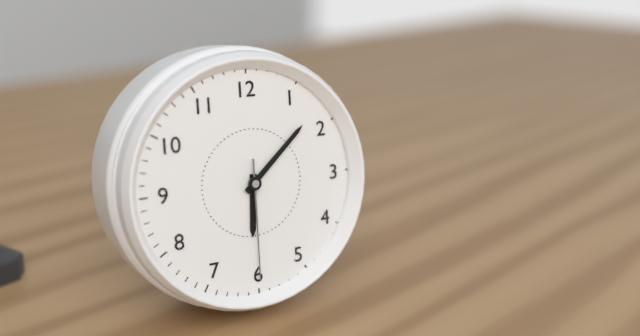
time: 6:08:30
